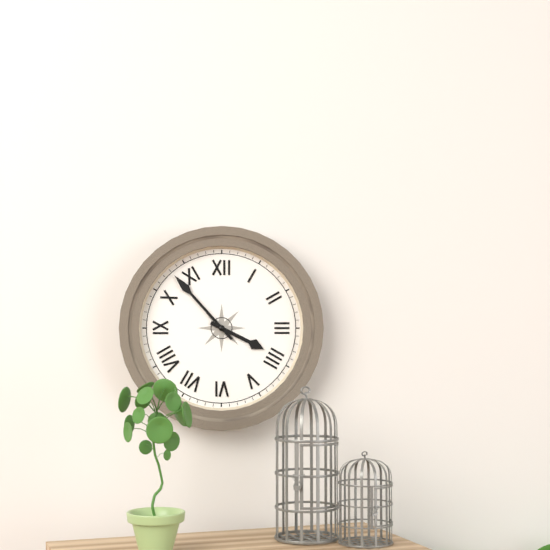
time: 3:53
